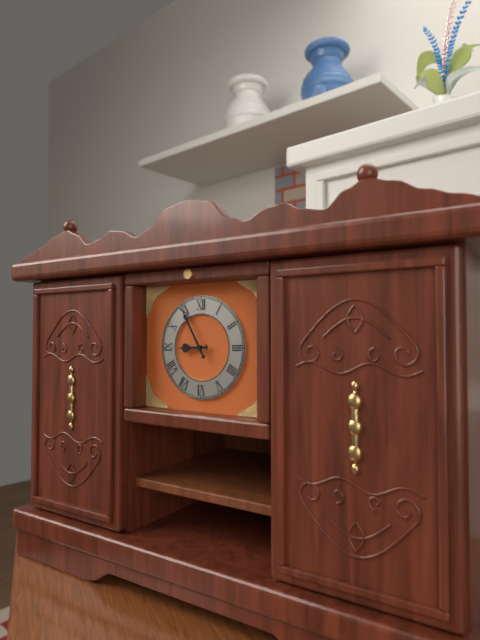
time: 8:55
